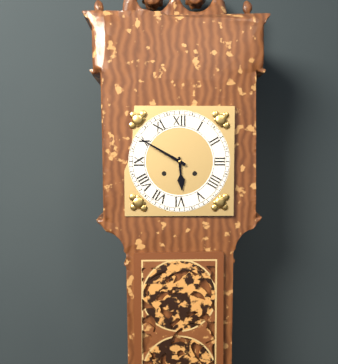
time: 5:50
